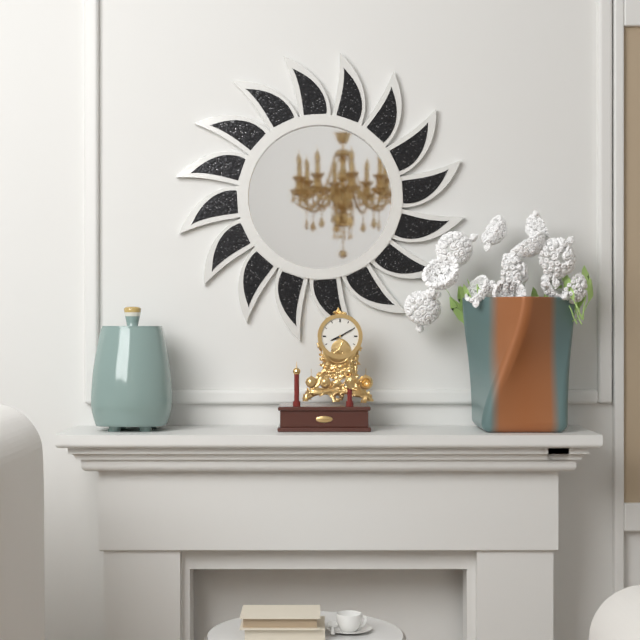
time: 8:10
